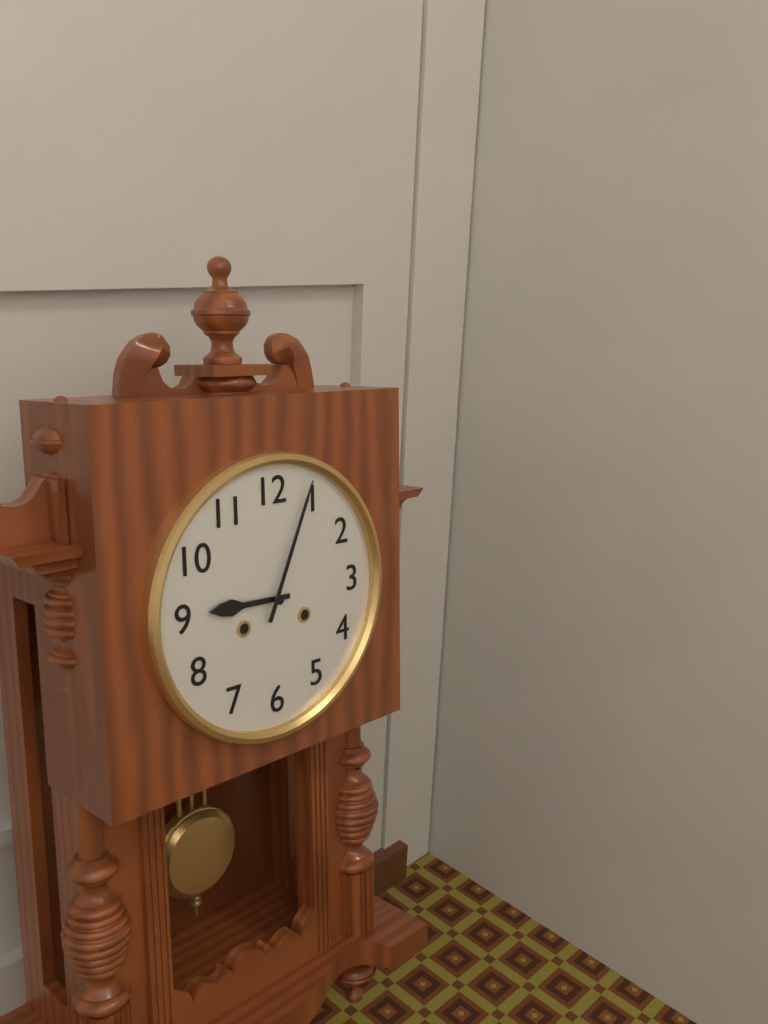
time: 9:04
